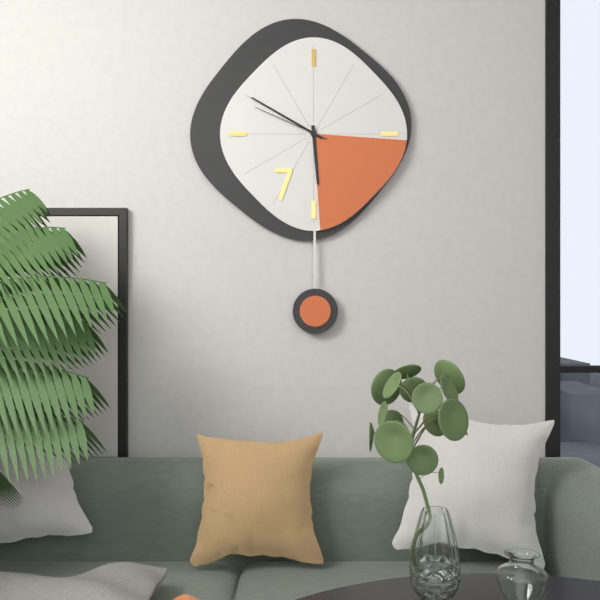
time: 5:50:49
